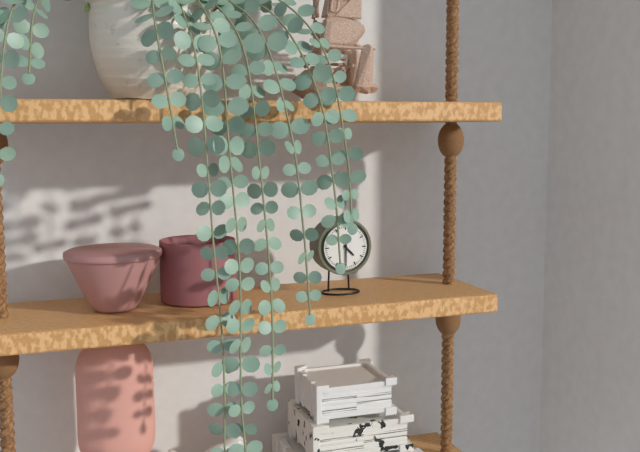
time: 4:30
